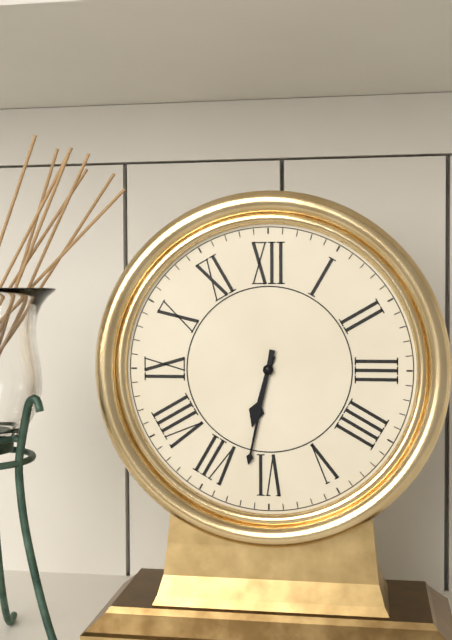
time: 6:32
